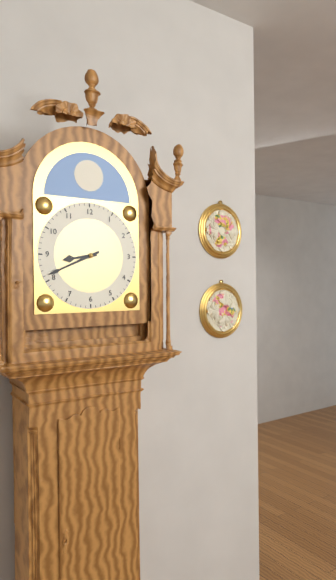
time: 8:41
